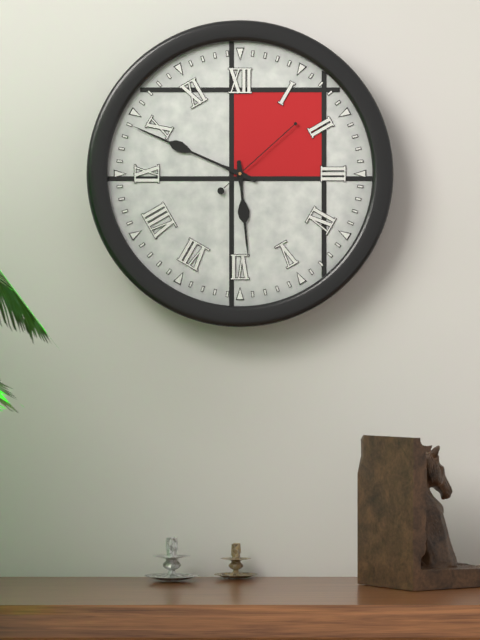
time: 5:49:08
